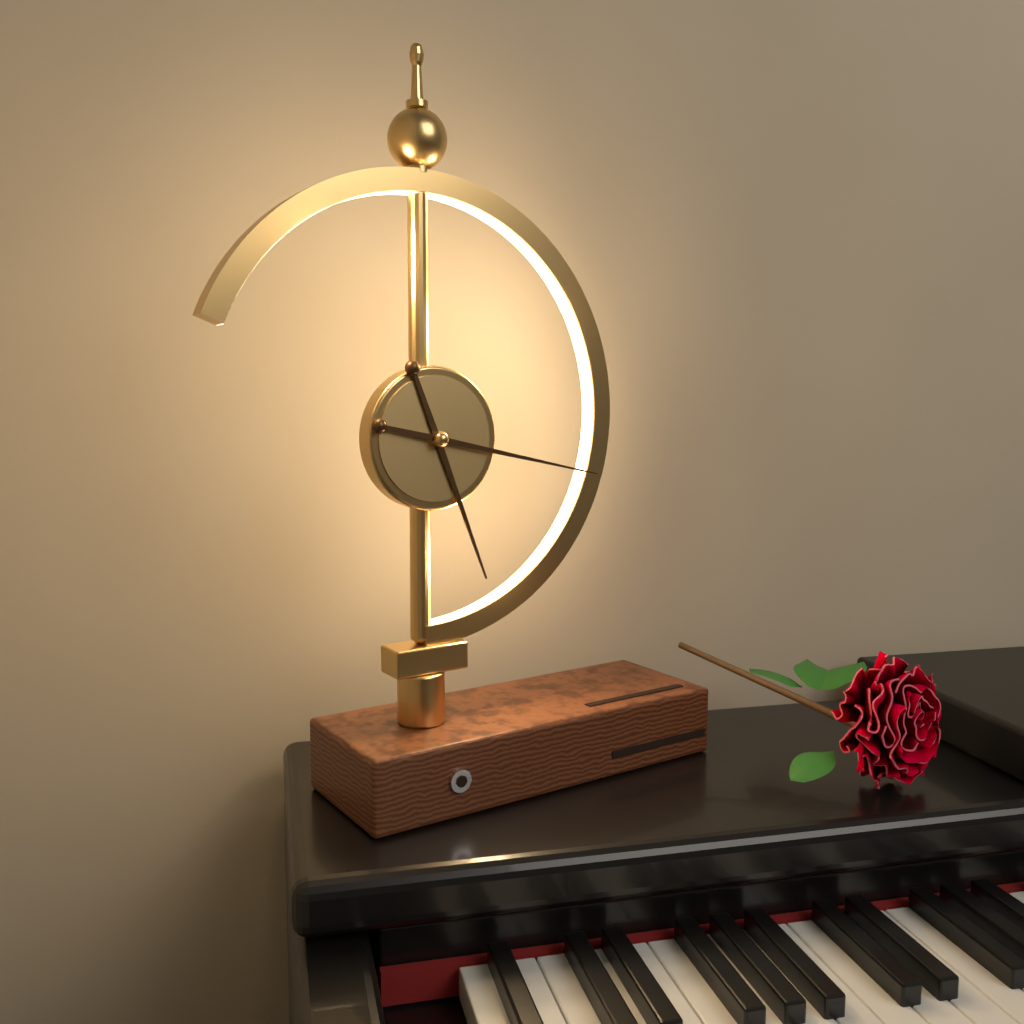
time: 5:17
